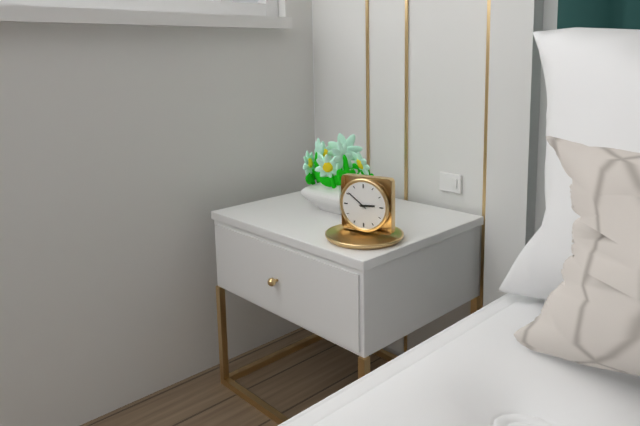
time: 2:51
